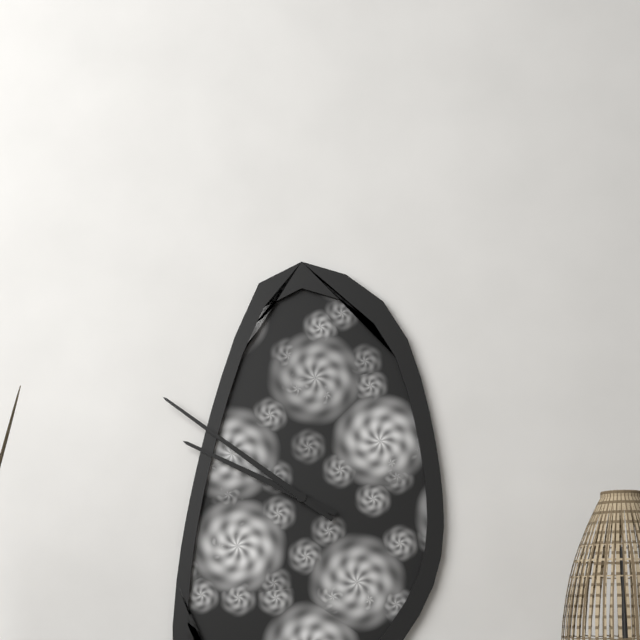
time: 9:51
